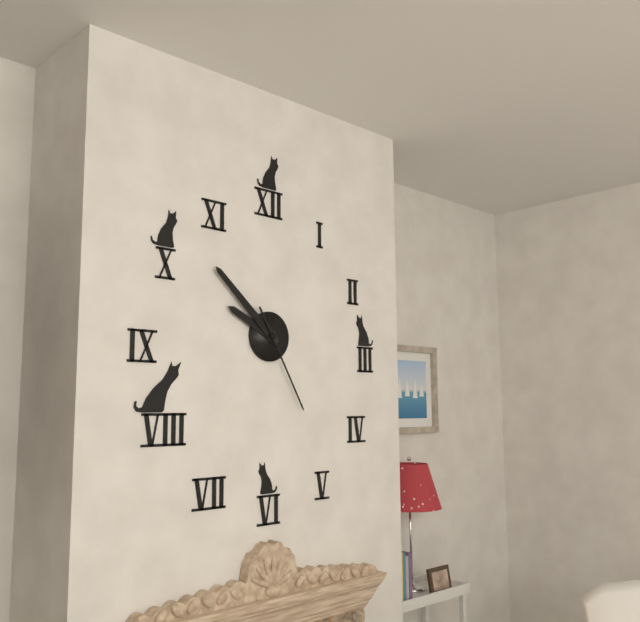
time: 9:52:25
